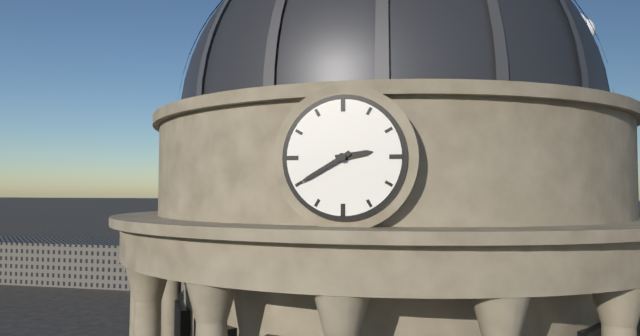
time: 2:40
